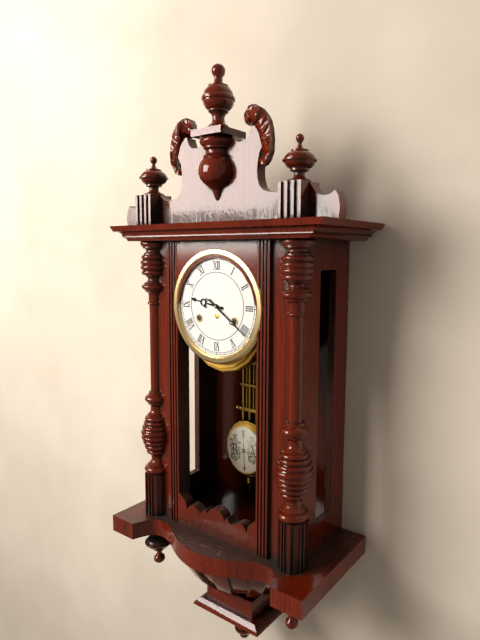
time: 9:21
